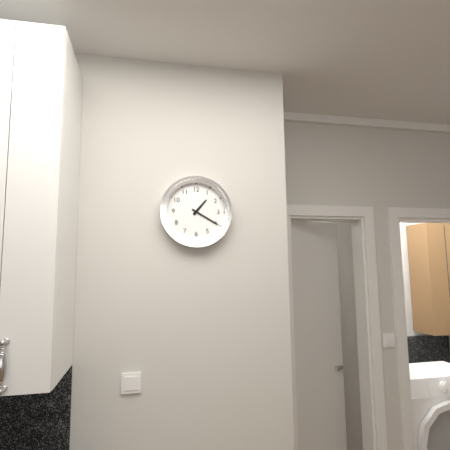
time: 1:20
